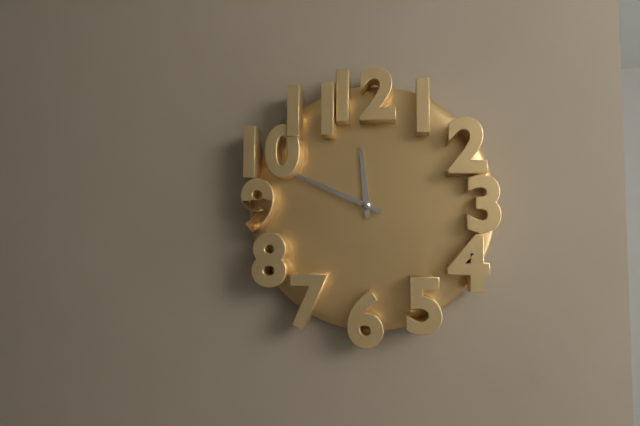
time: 11:49
